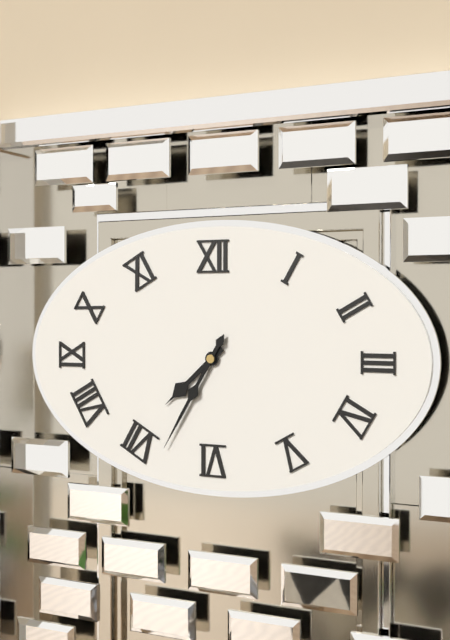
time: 7:35
